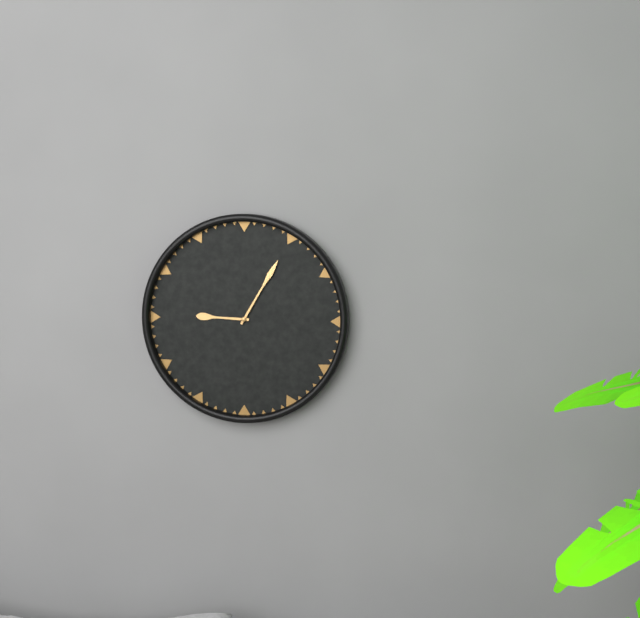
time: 9:05
